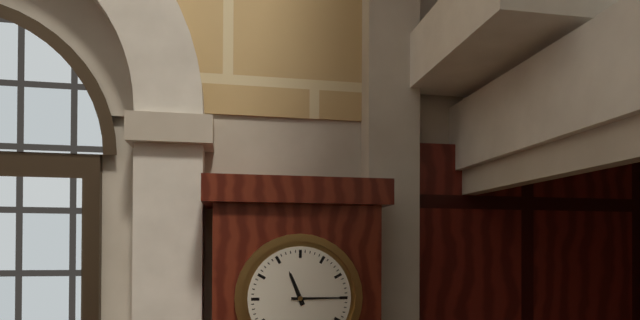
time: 11:15
